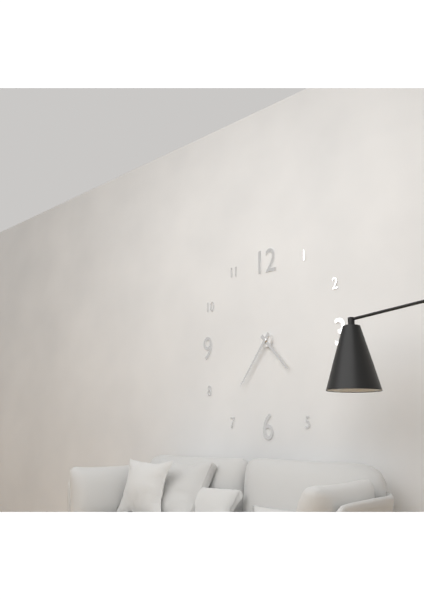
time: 4:36
